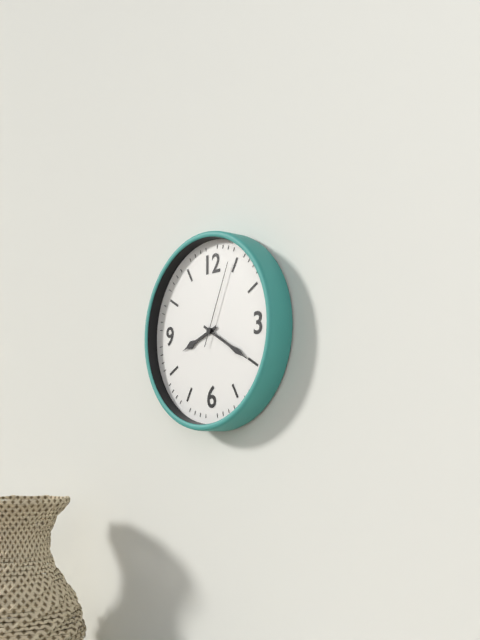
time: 8:20:04
